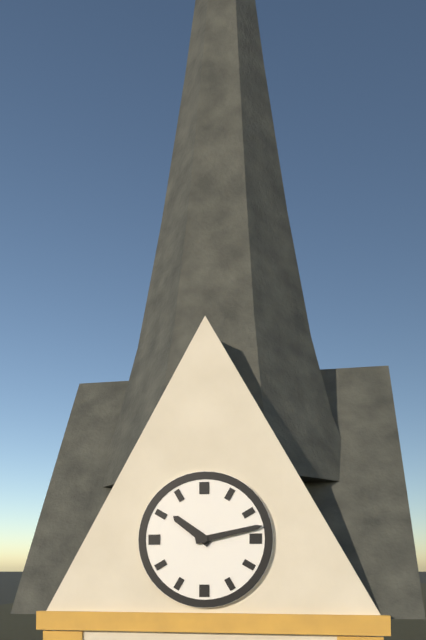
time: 10:13
